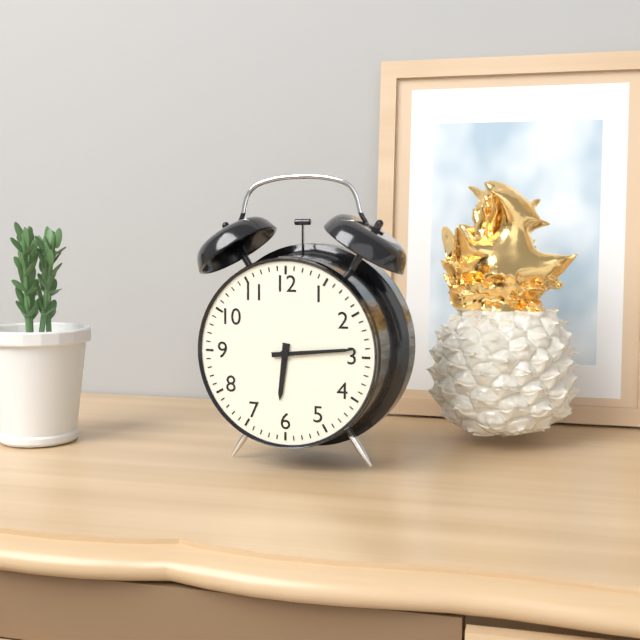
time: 6:14
